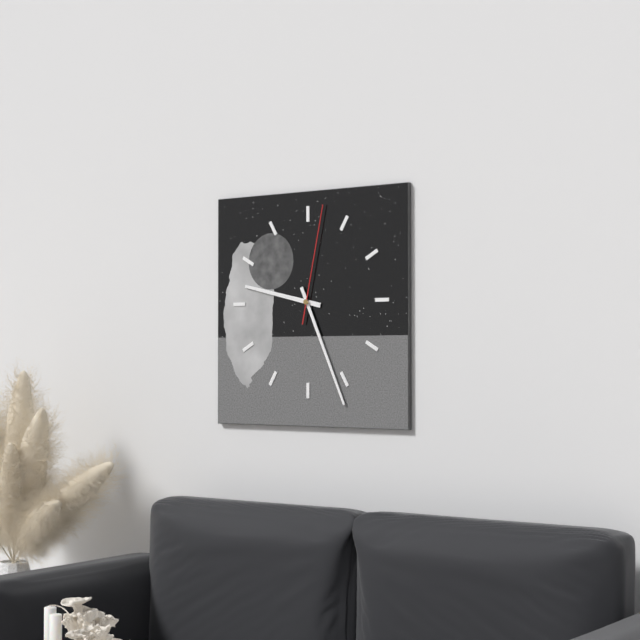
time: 9:26:02
